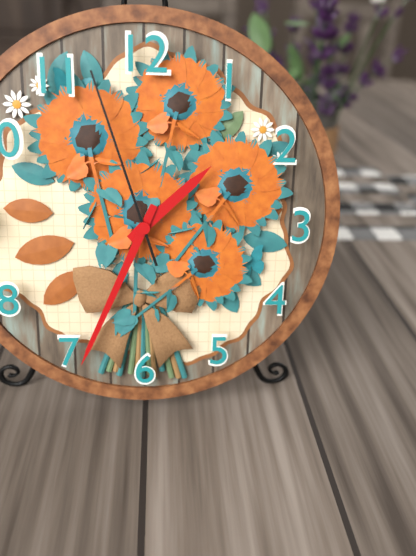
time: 1:34:57
